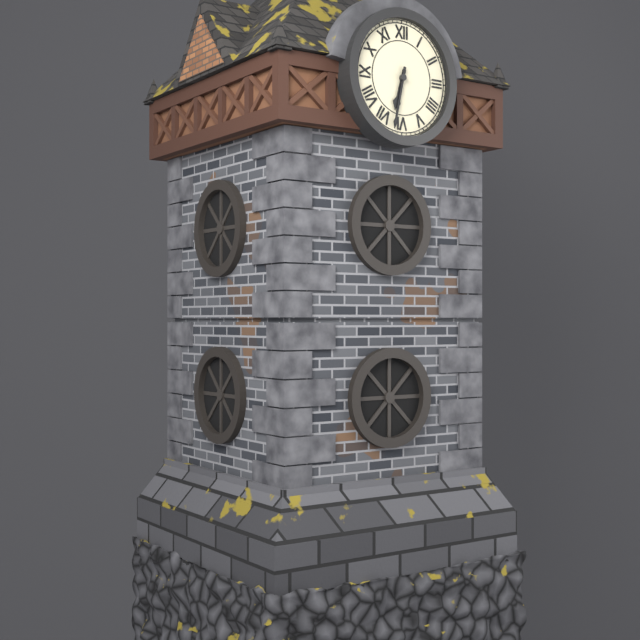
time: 6:32
